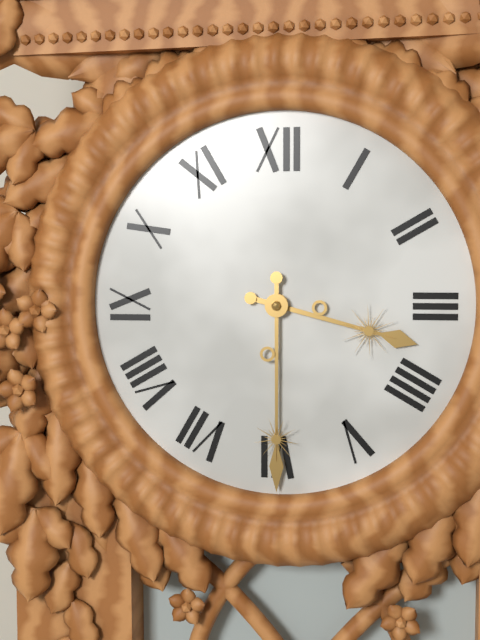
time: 3:30
